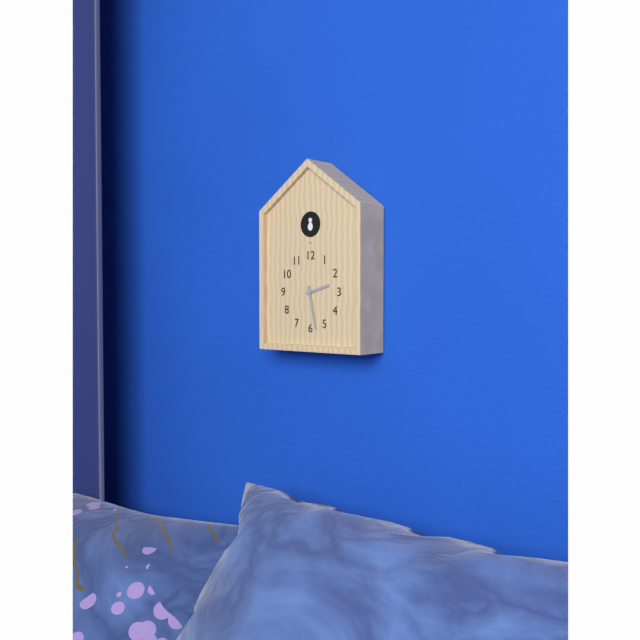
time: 2:28
